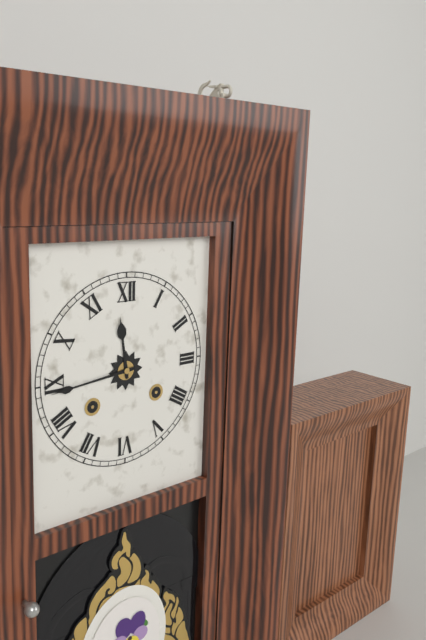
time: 11:44
